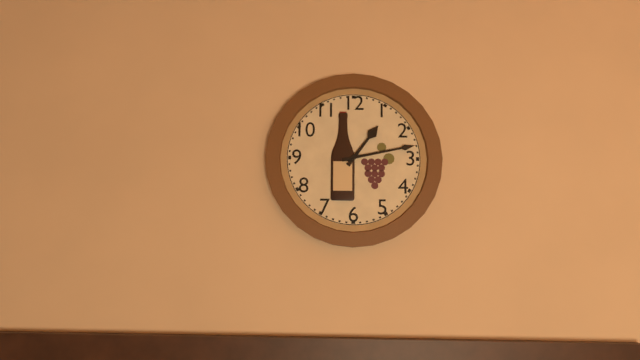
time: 1:13
